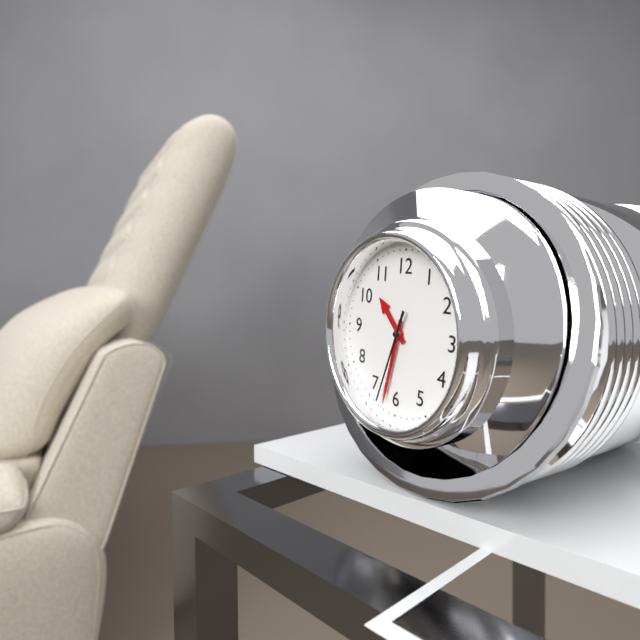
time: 10:32:33
